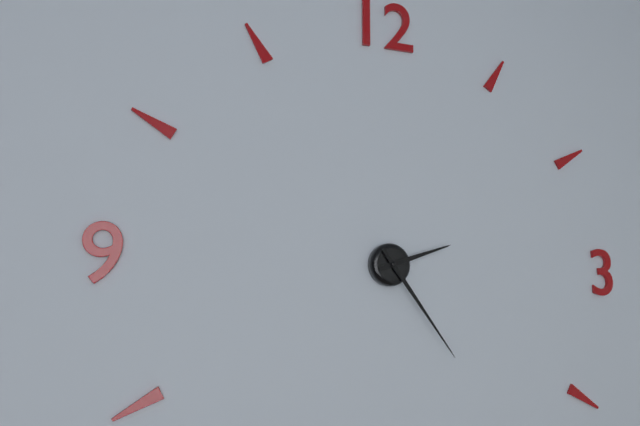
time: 2:24
